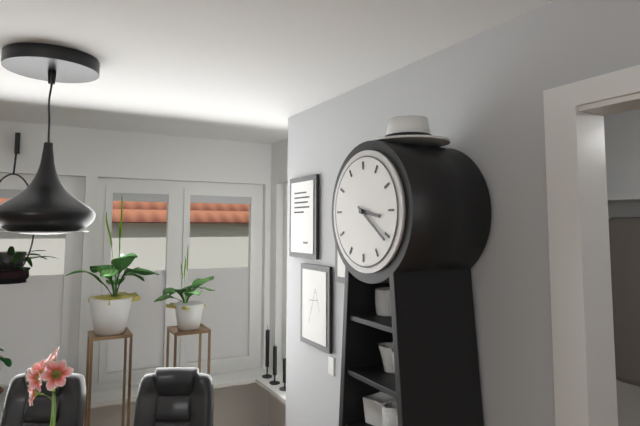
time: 3:21
